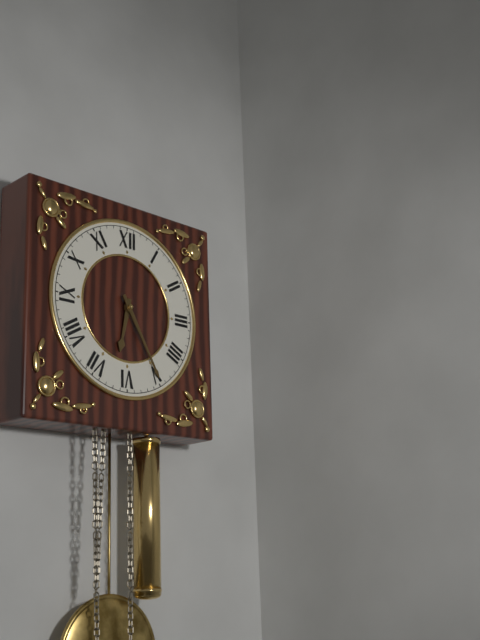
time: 6:25
